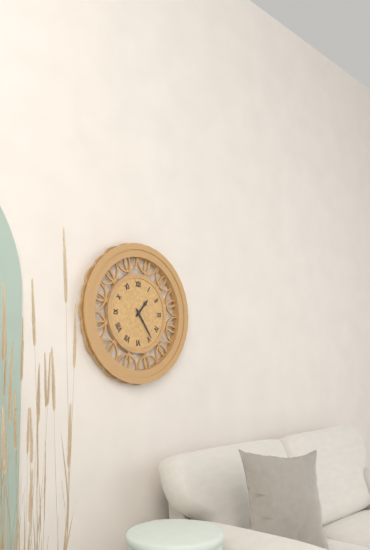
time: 1:24
